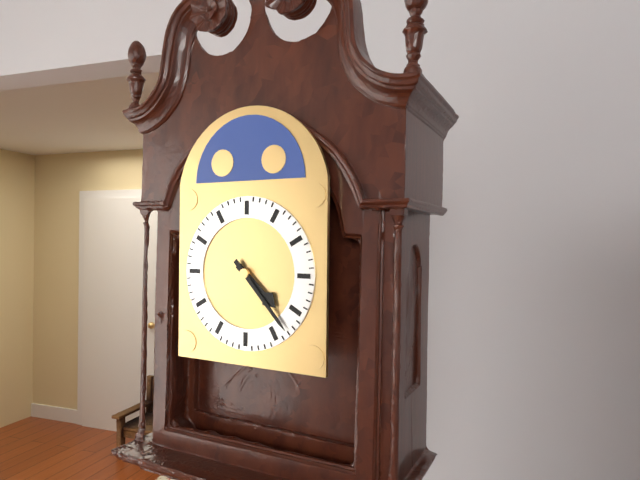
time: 4:23
